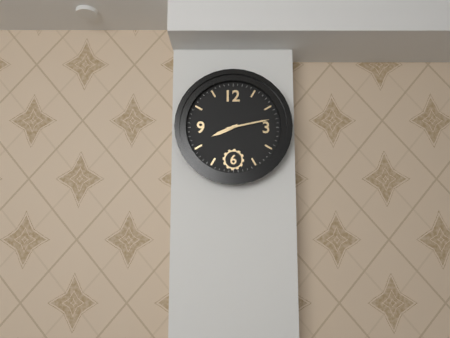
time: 8:13
